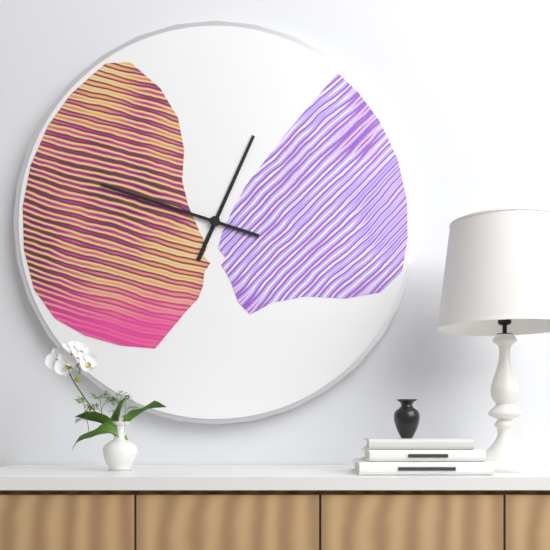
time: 12:48
